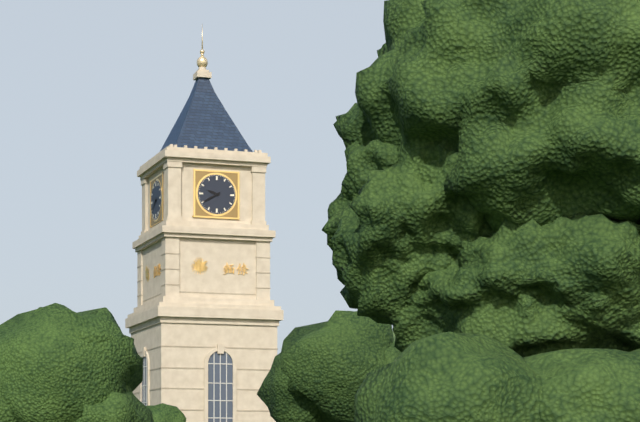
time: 9:40
